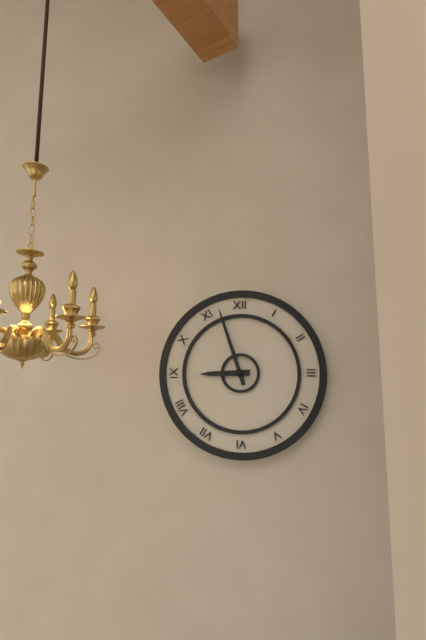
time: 8:57
